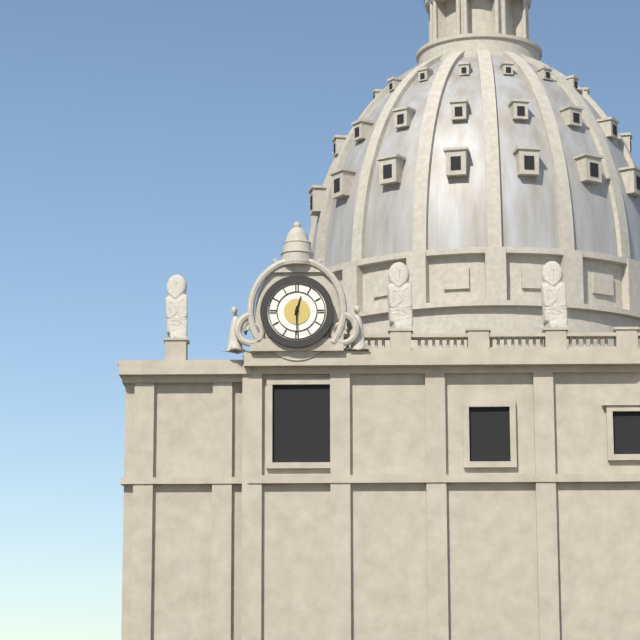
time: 12:30
